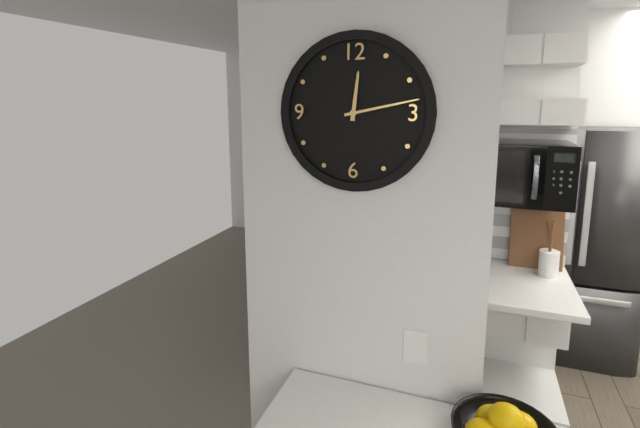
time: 12:13
